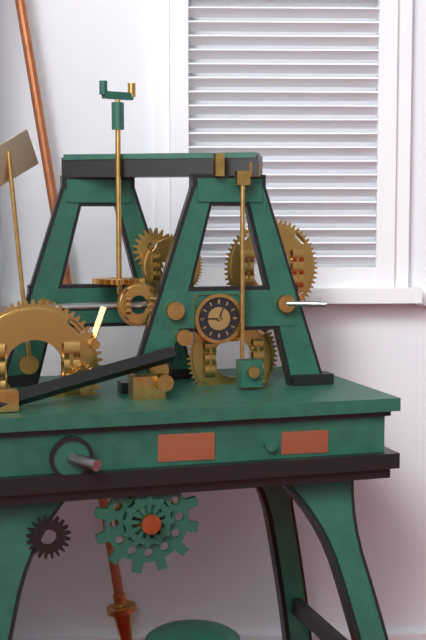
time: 12:45
